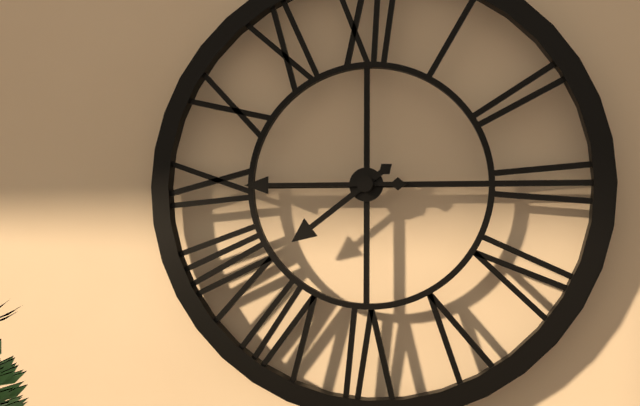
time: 7:45
